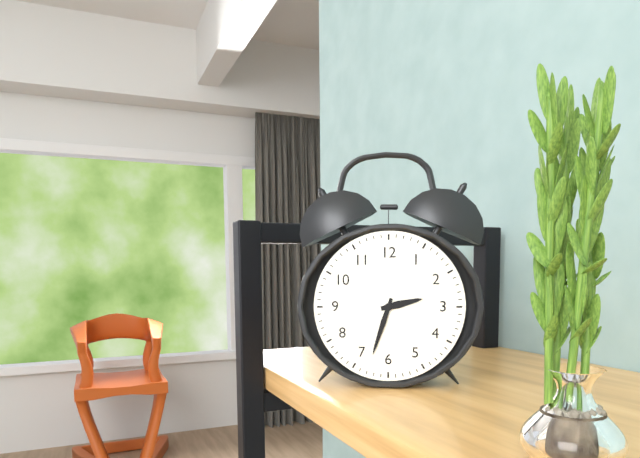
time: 2:33
